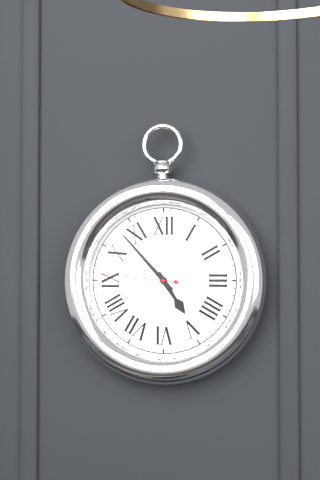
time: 4:53:46
